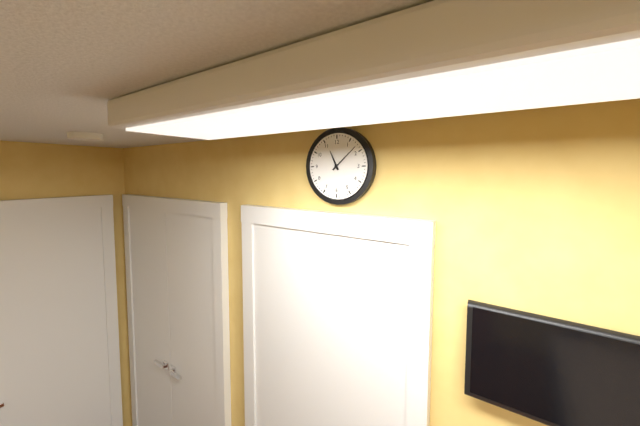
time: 11:08
